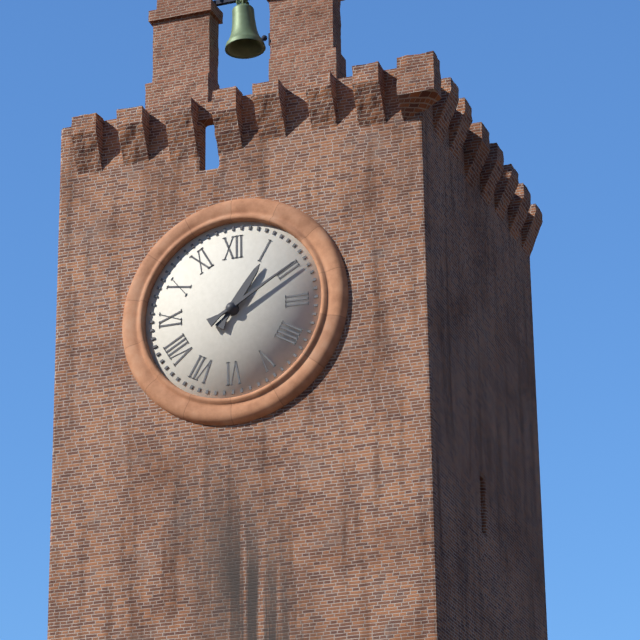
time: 1:10
